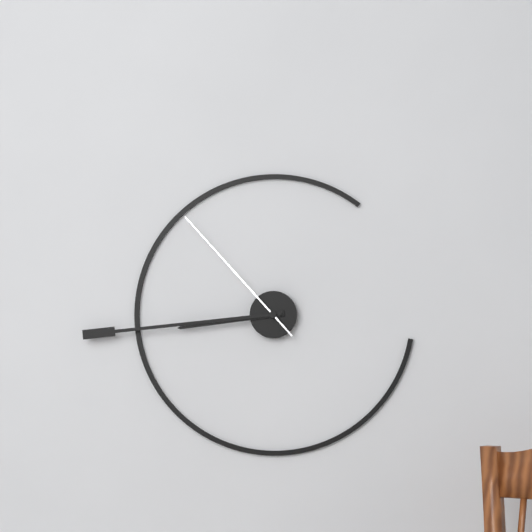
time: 8:44:53
